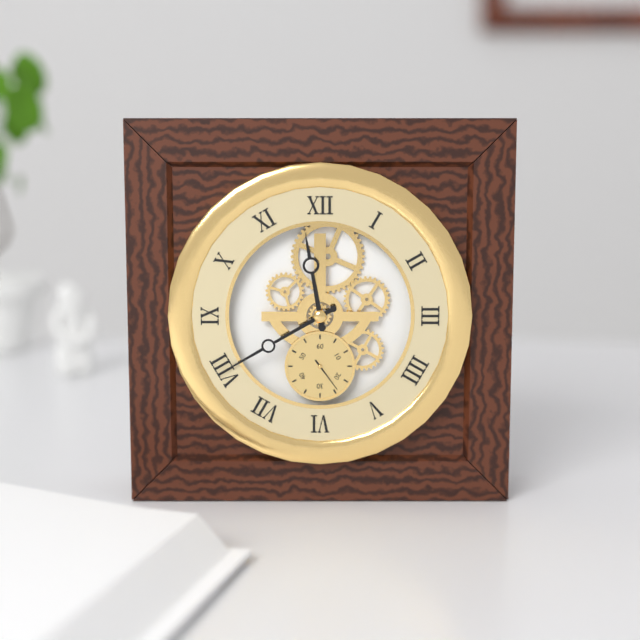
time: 11:40
